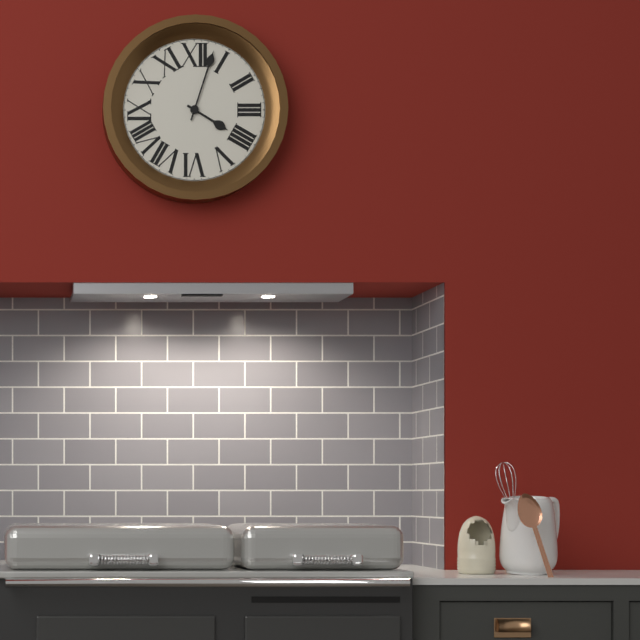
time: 4:03
